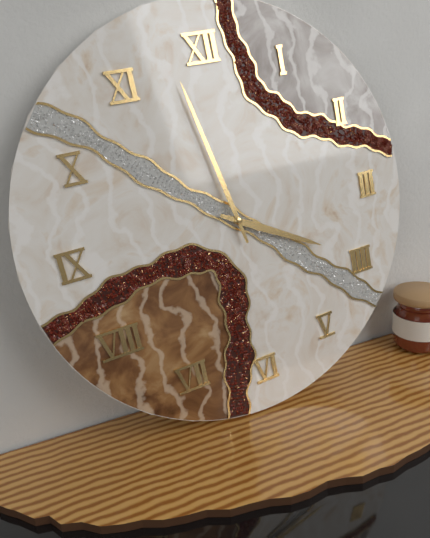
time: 3:58
